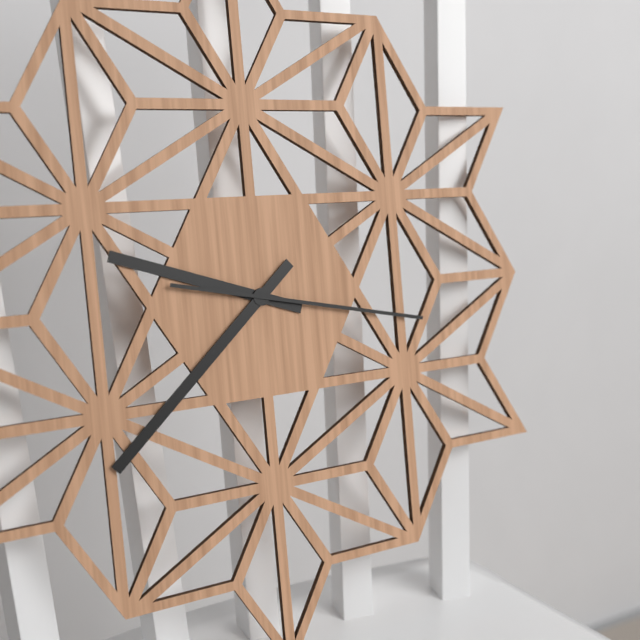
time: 9:38:17
